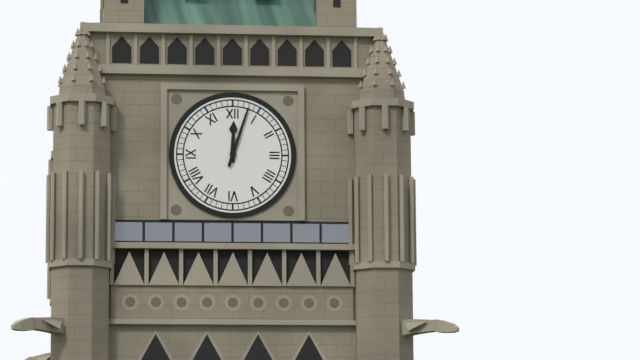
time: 12:03
